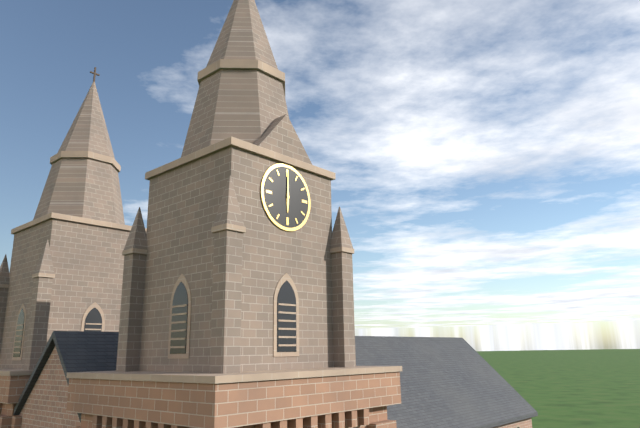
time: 6:00
